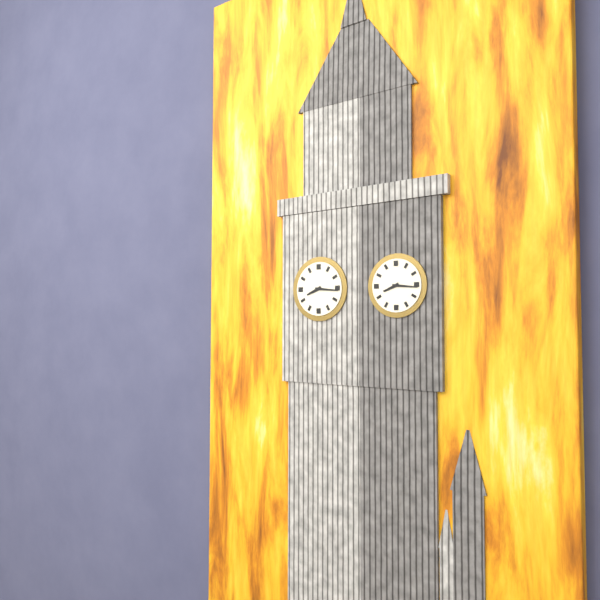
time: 8:16
